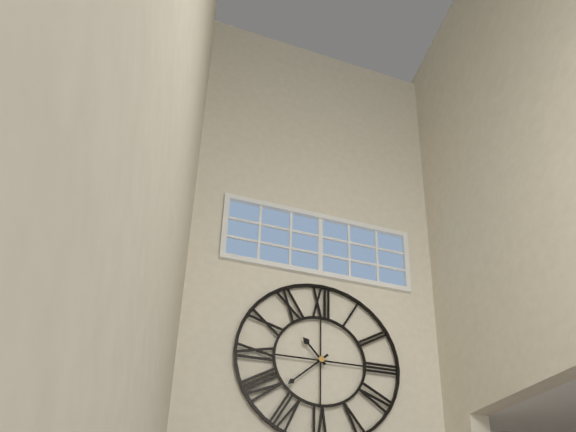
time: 10:38
